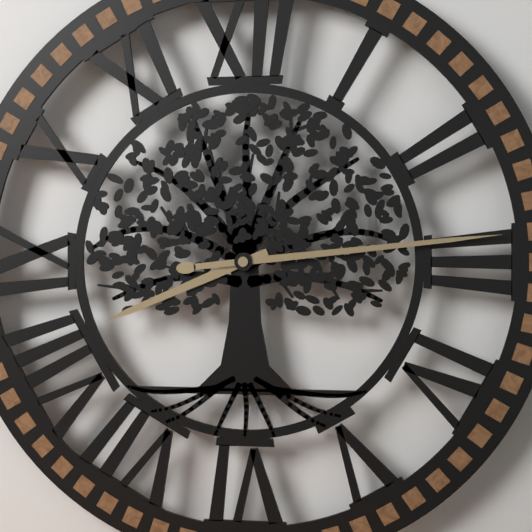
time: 8:14
